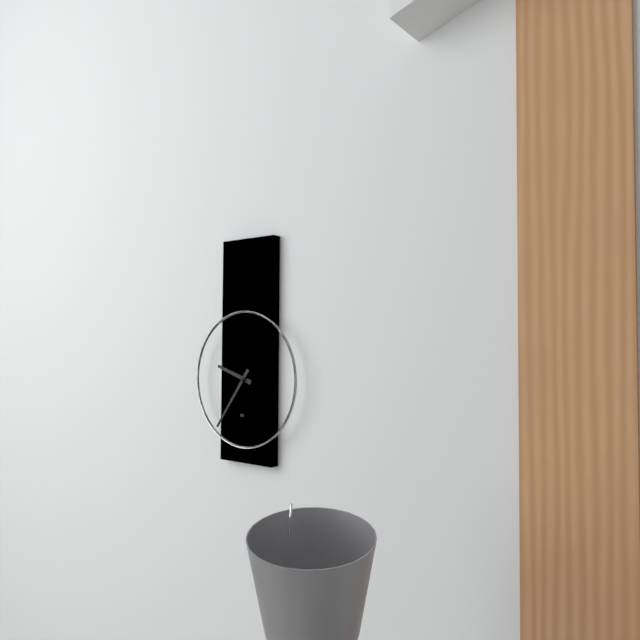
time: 9:36
